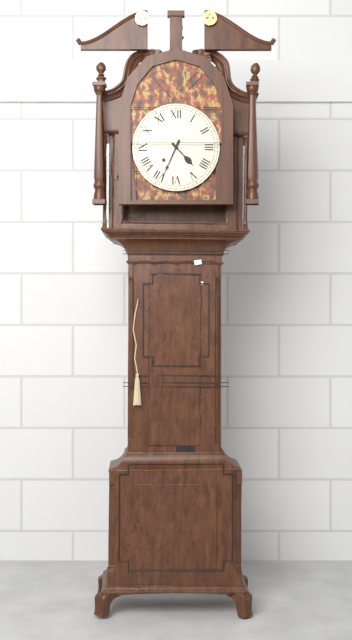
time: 4:34
